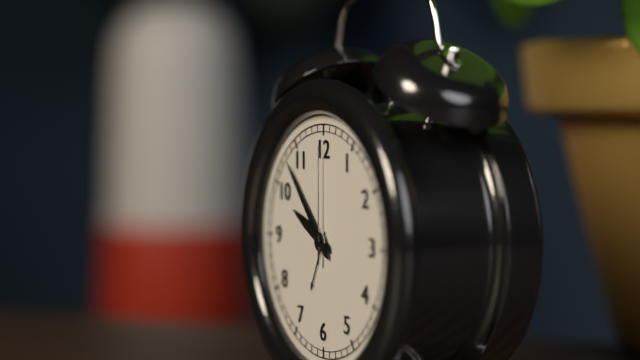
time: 9:53:00
